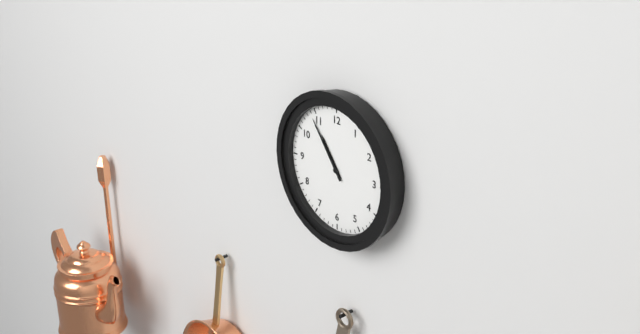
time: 10:54
